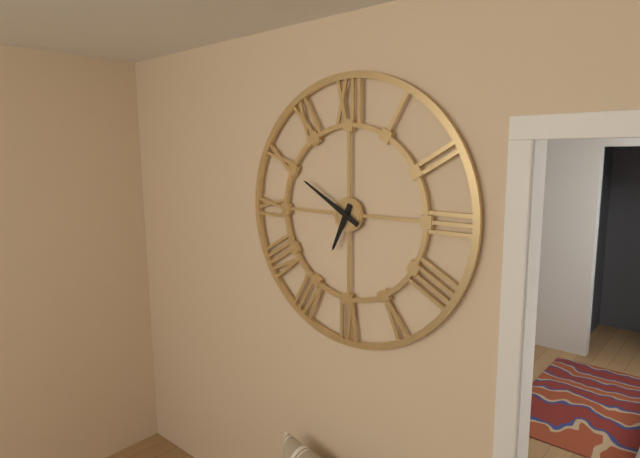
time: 6:50
